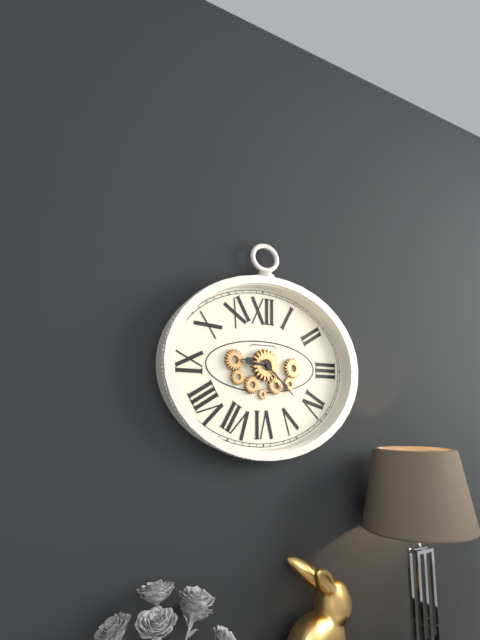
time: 9:22
